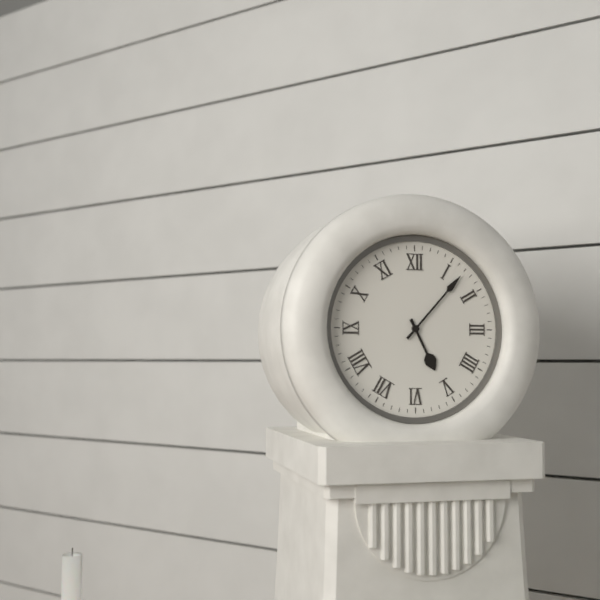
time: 5:07
